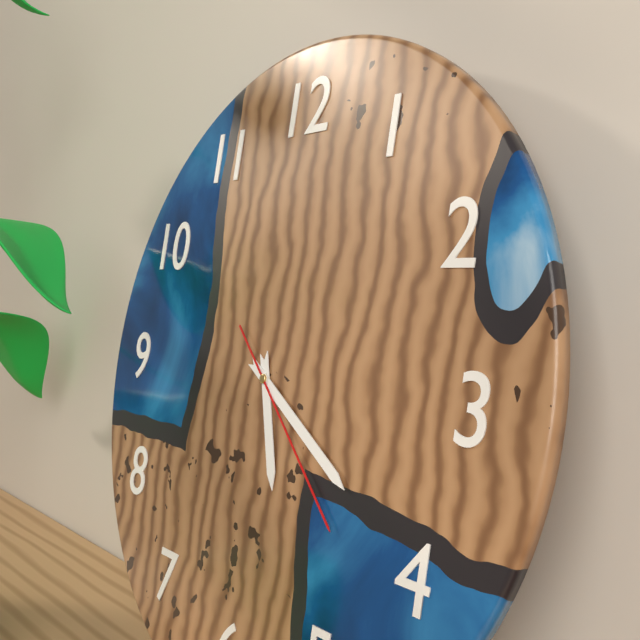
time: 5:20:22
